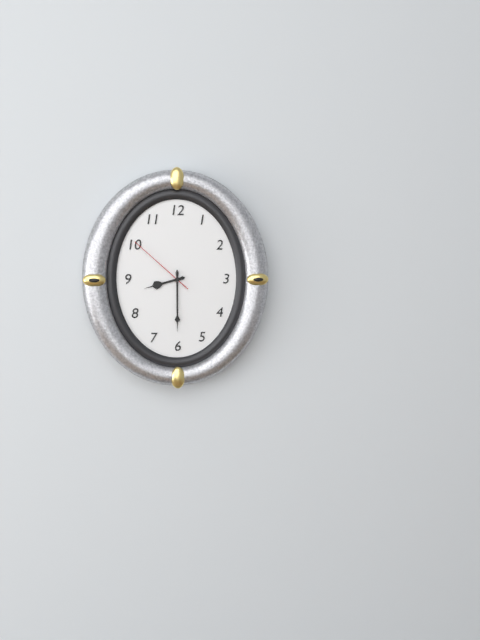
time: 8:30:52
